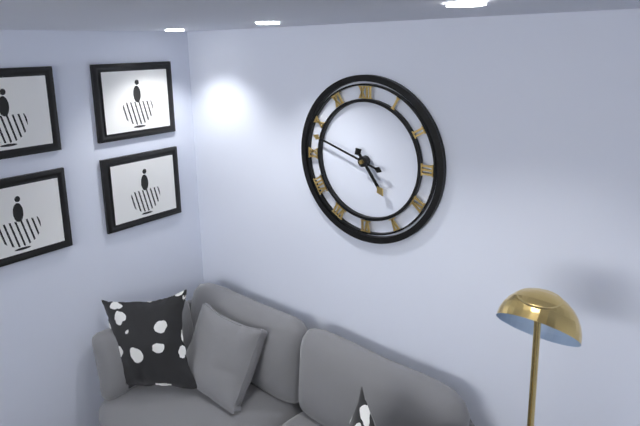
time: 4:48
